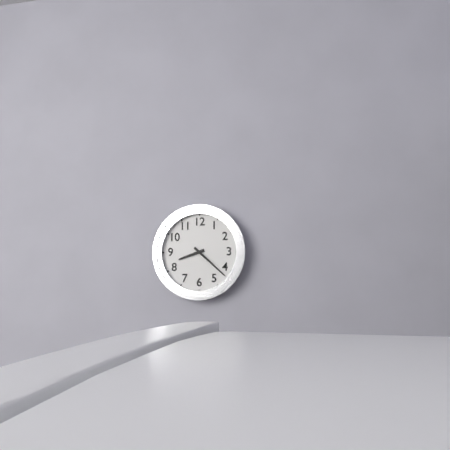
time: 8:22
